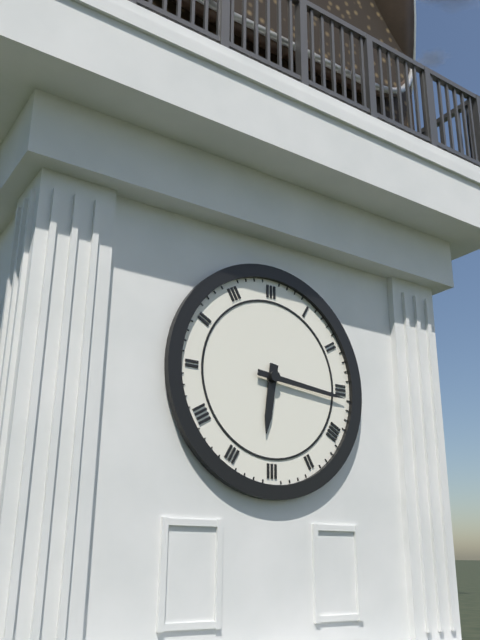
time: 6:16
